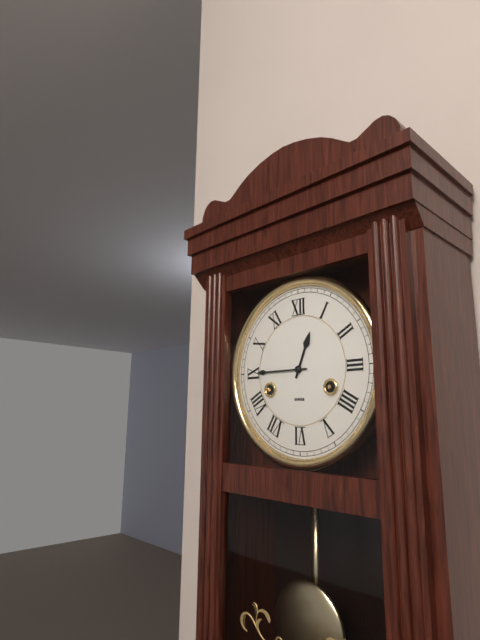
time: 12:45
